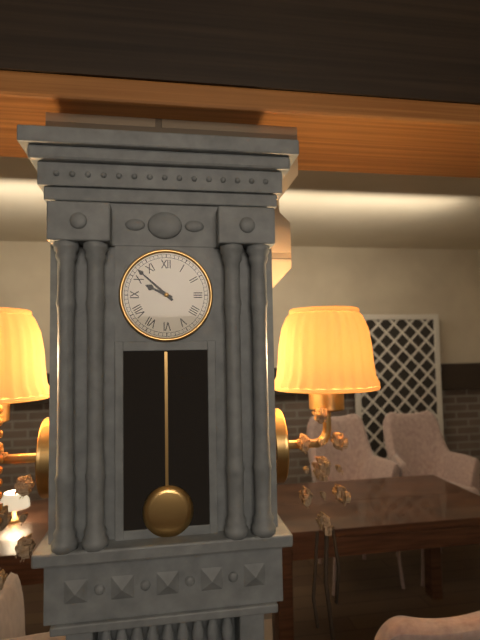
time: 9:52
